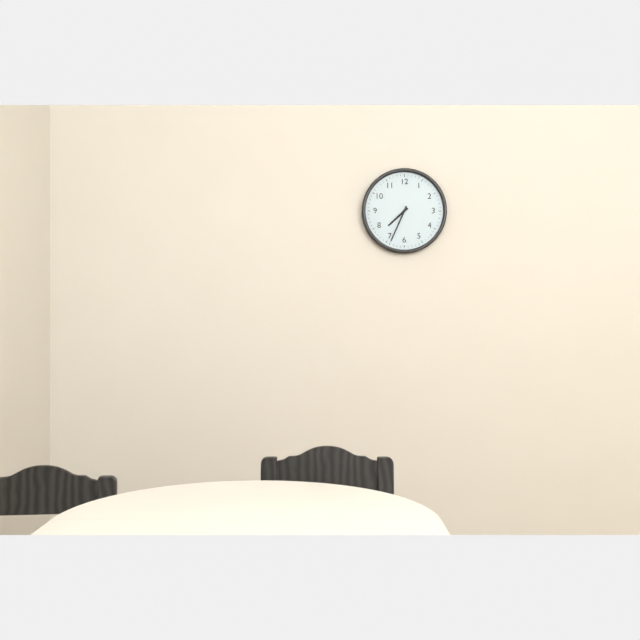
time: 7:34
